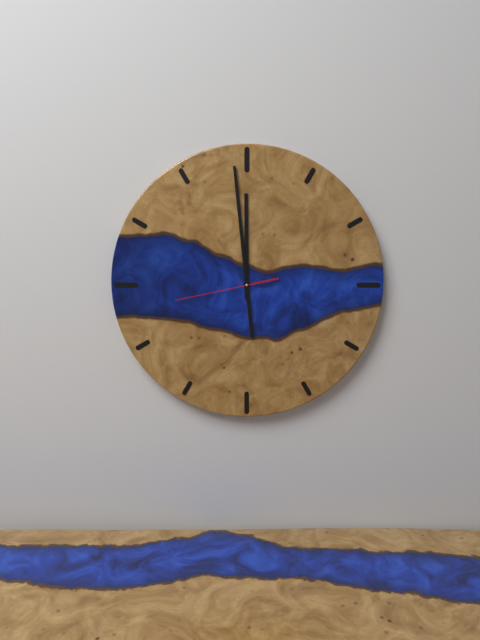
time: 11:59:43
